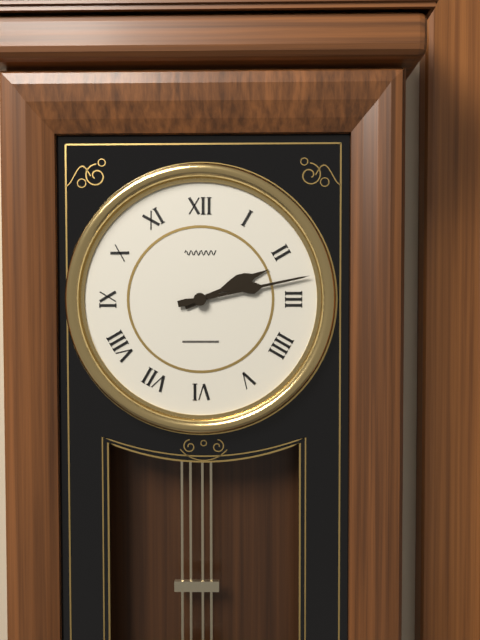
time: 2:13
